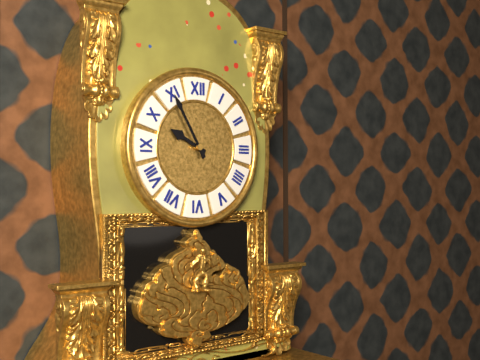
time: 9:55
